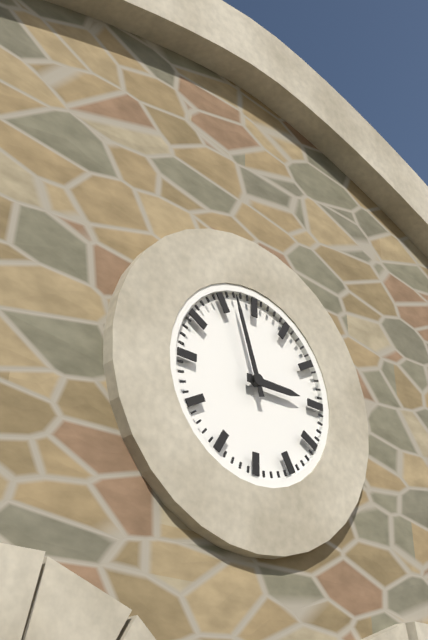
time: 2:57
